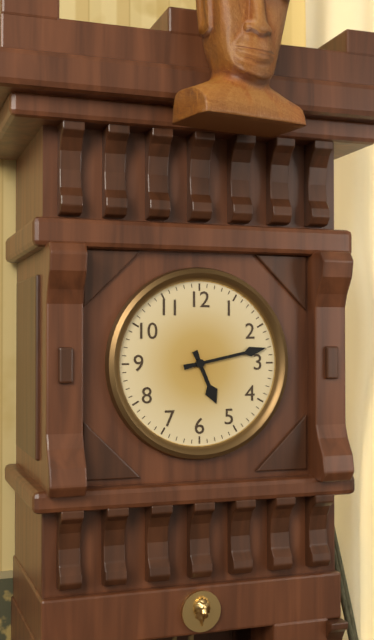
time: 5:13
